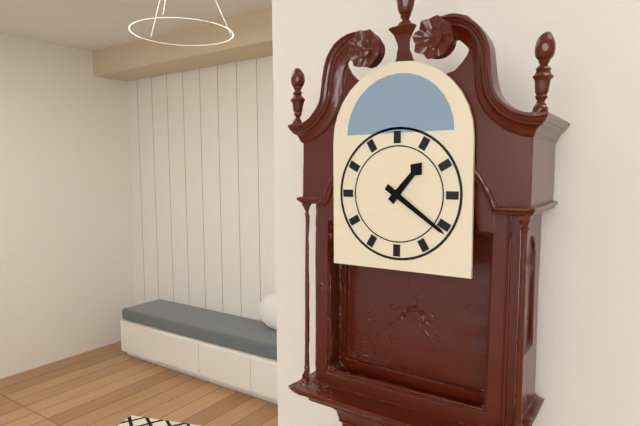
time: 1:21
